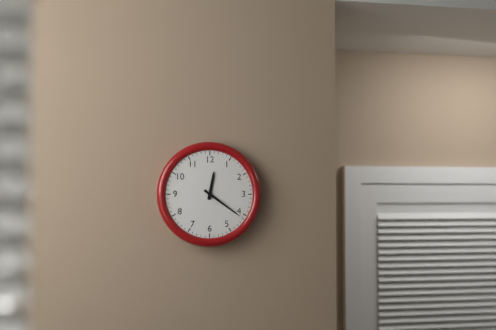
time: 12:21
